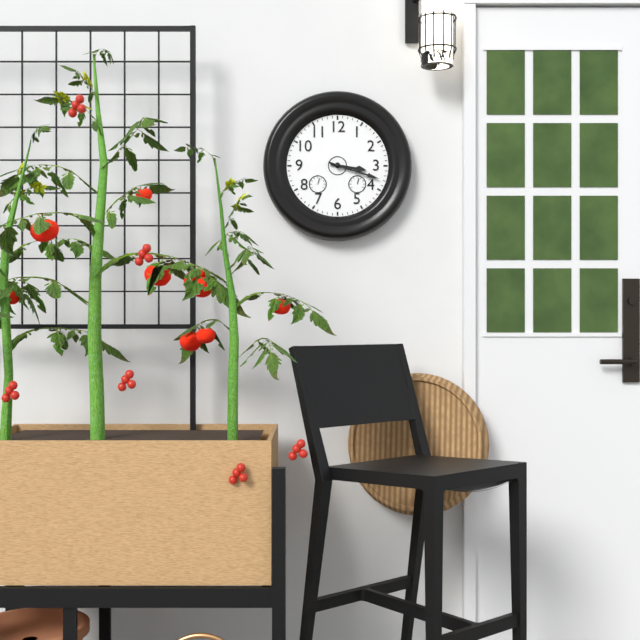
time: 3:18
